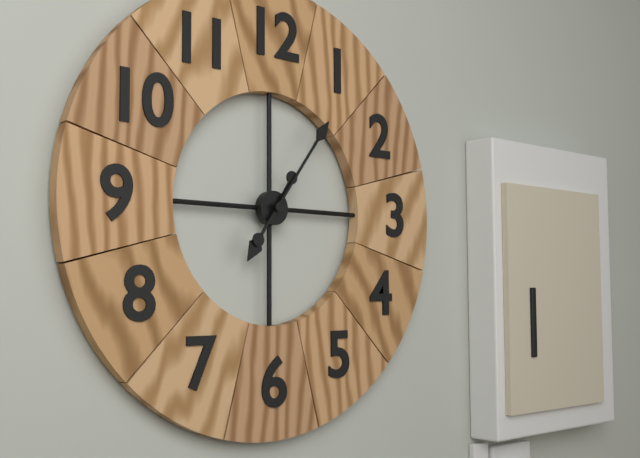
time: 7:06
